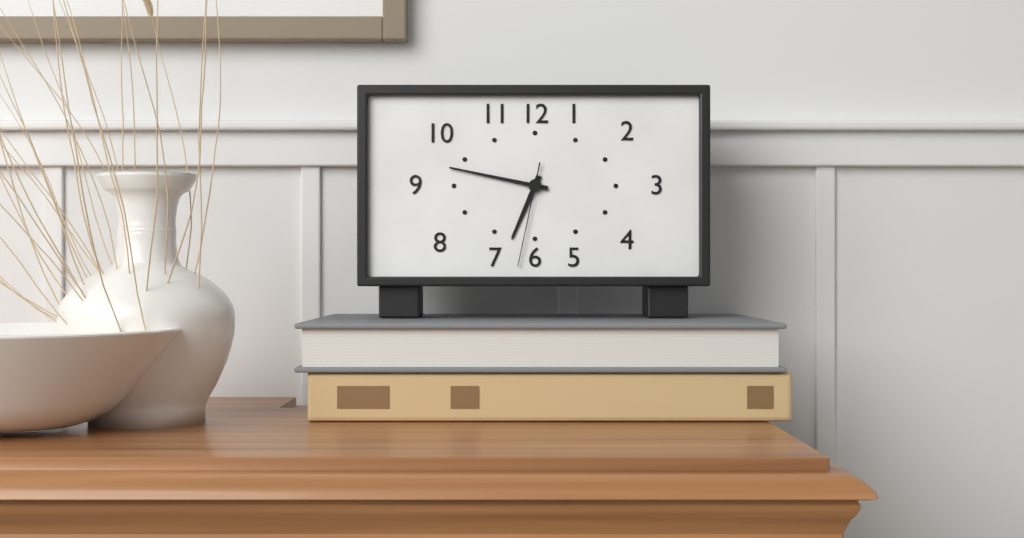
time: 6:47:32
